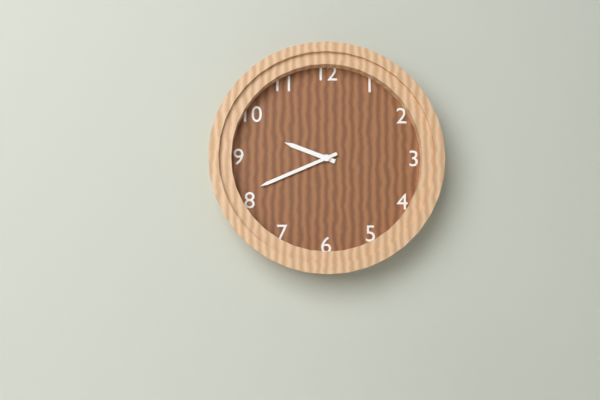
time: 9:41
